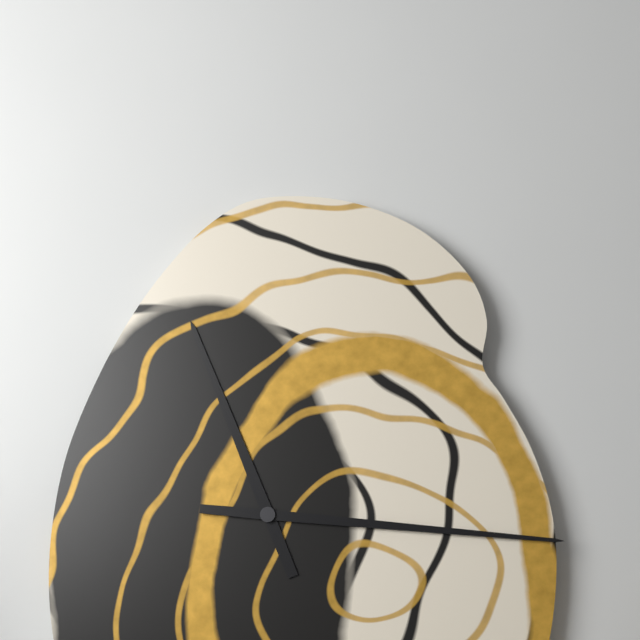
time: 11:16
